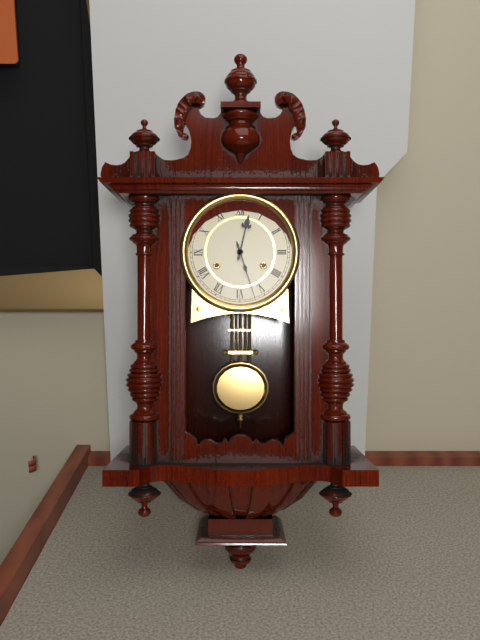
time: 12:27
